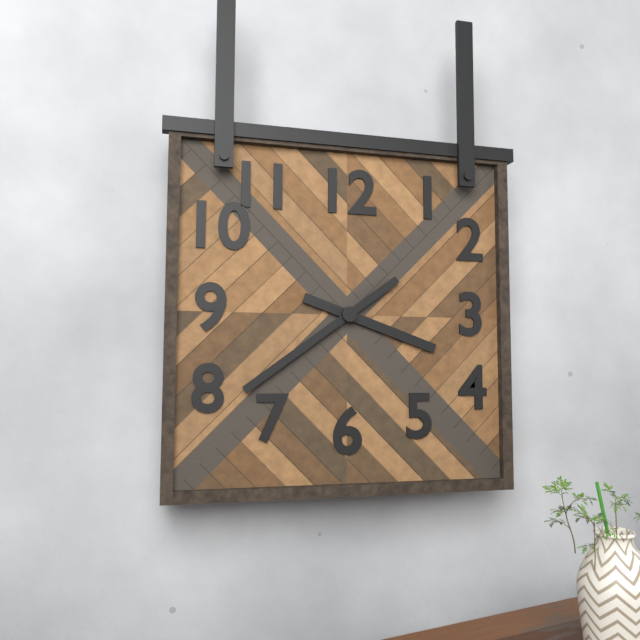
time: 3:39
